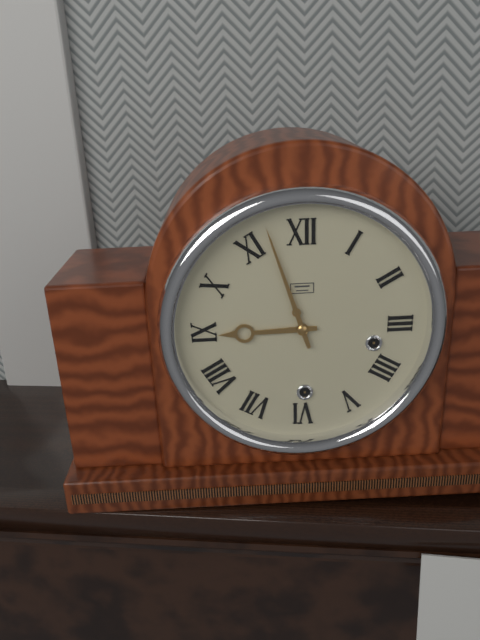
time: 8:57
